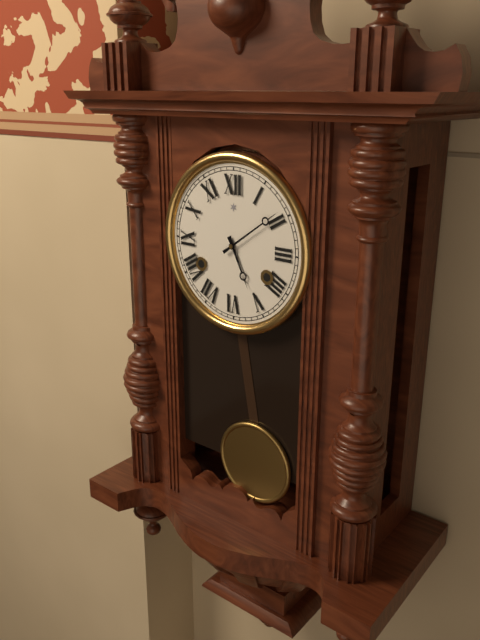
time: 5:09
